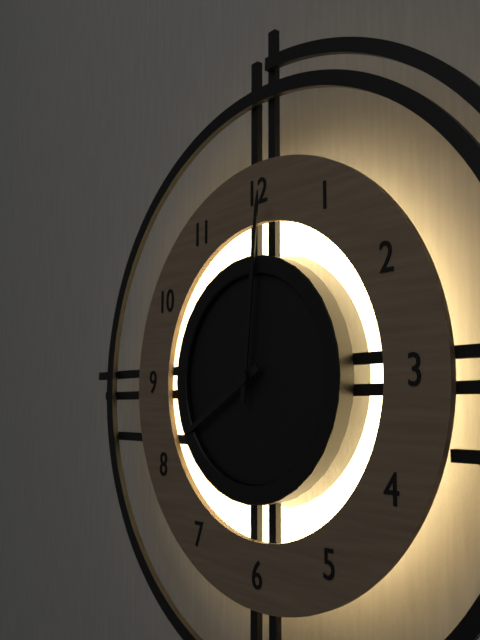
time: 8:01
